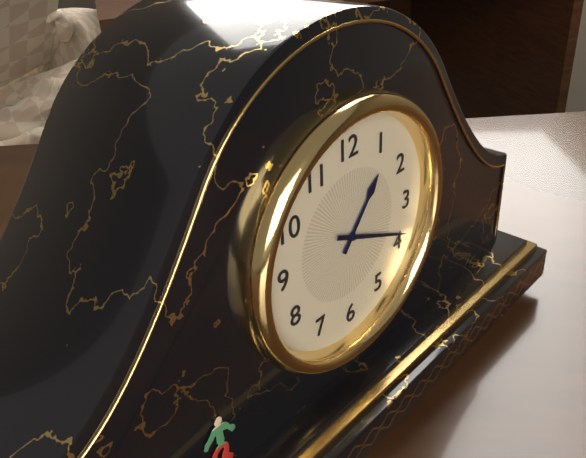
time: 1:19
